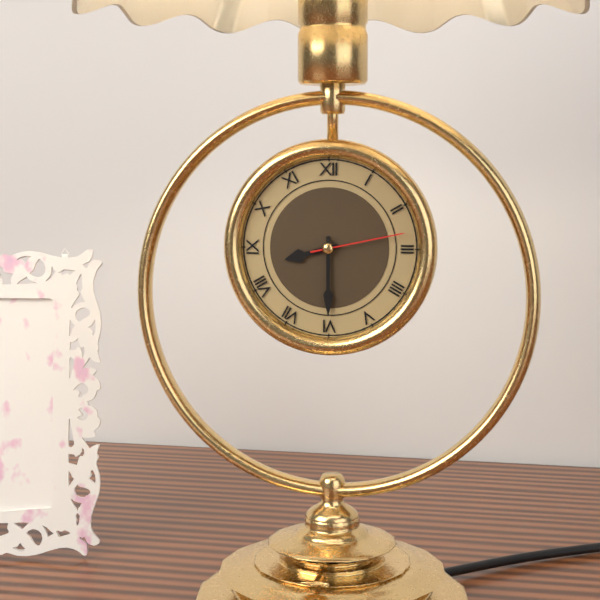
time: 8:30:13
